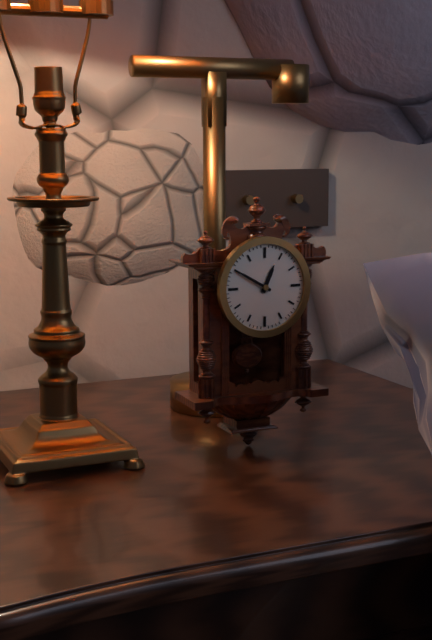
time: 12:50
